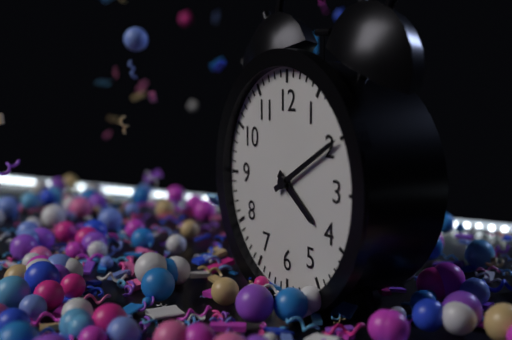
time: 4:10
